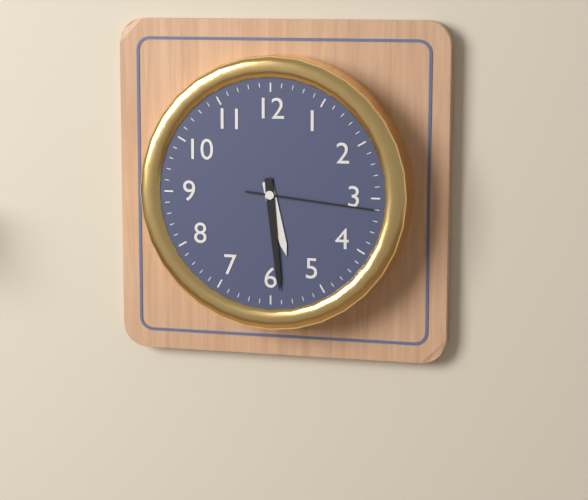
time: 5:29:16
